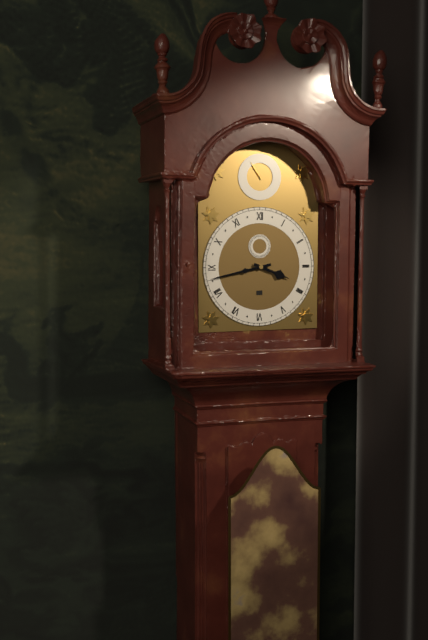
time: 3:43
